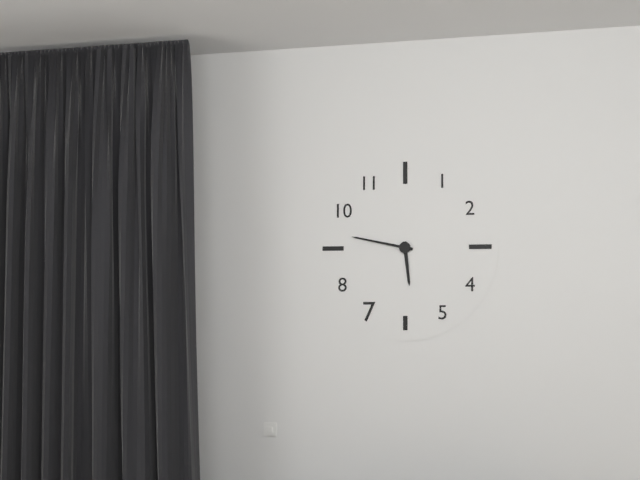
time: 5:47
